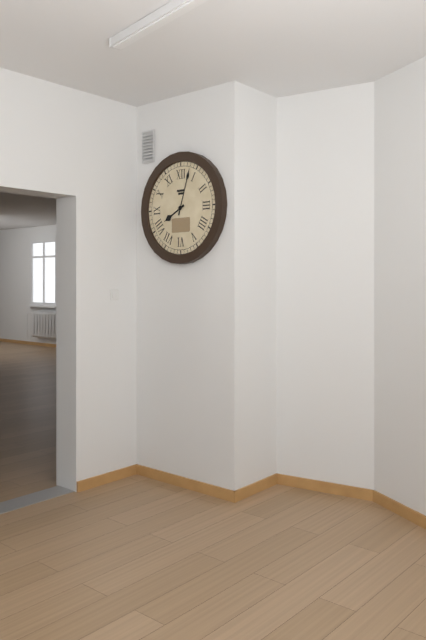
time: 8:03
